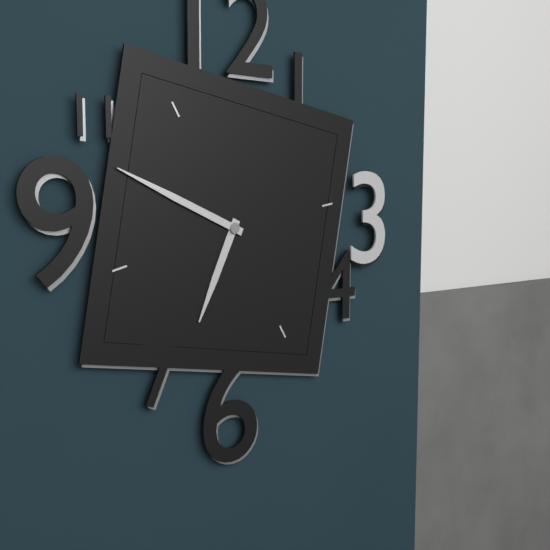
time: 6:49
